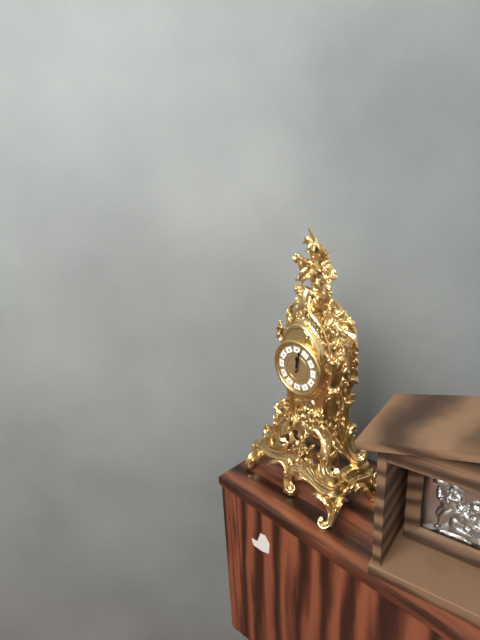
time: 12:02
